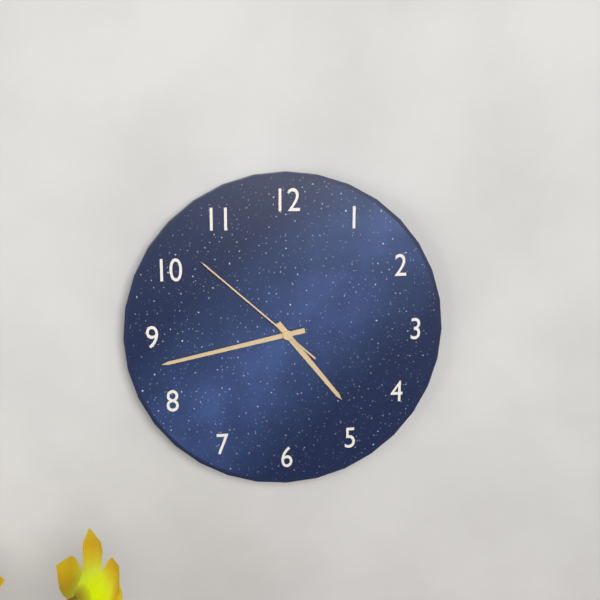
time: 4:43:52
